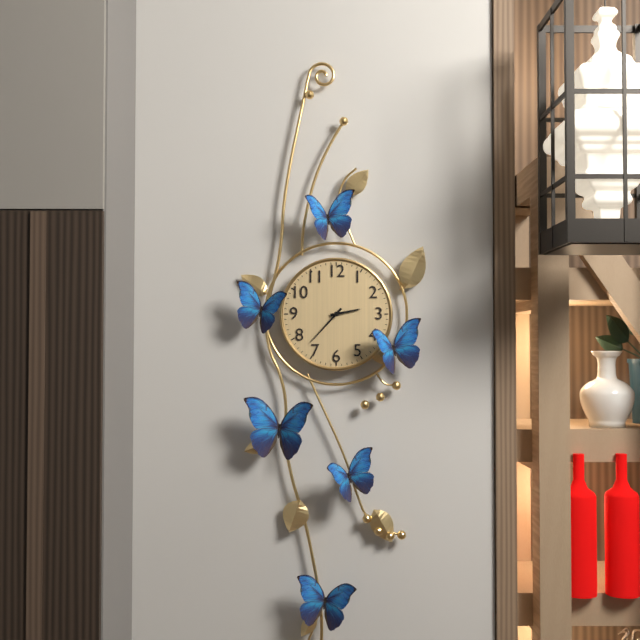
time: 2:37
